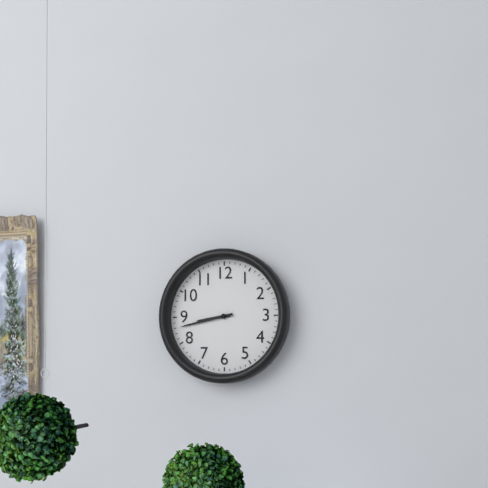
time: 8:43
